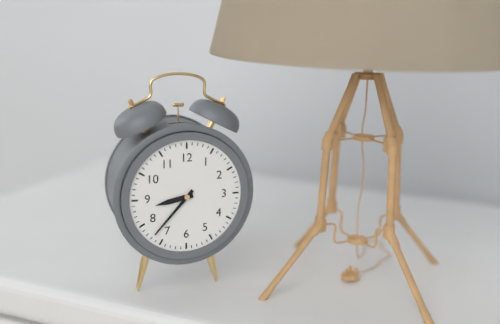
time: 8:37
